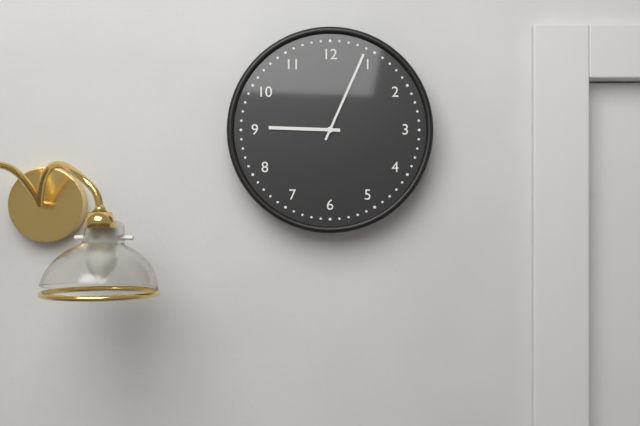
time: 9:04
